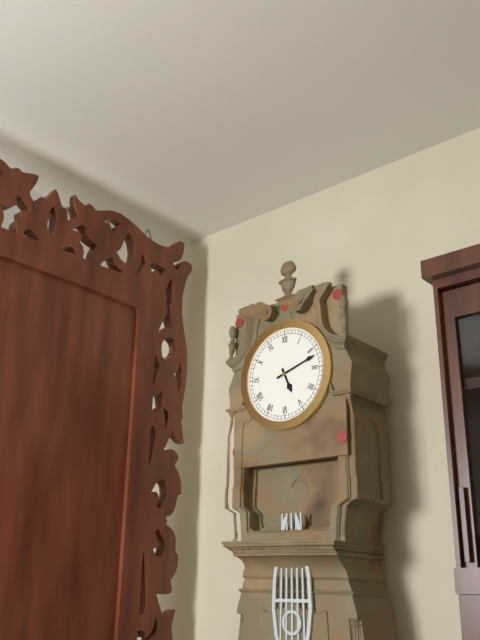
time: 5:12
